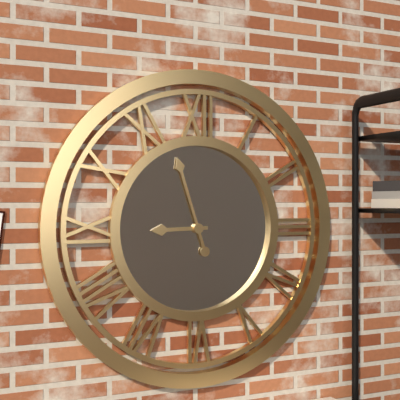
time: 8:57
